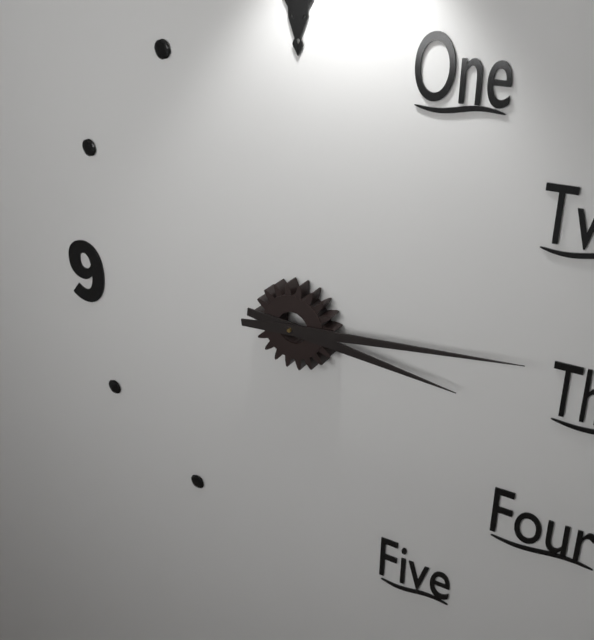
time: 3:14
